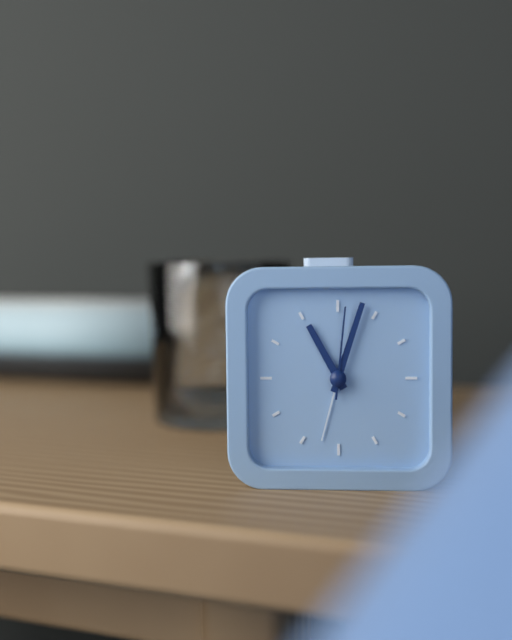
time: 11:03:01
